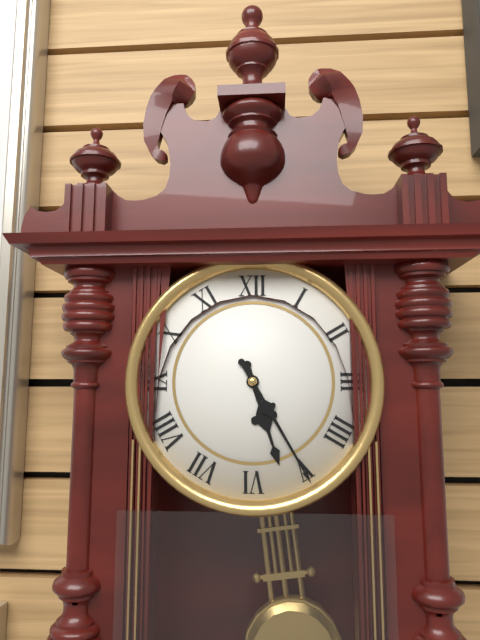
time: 5:25
